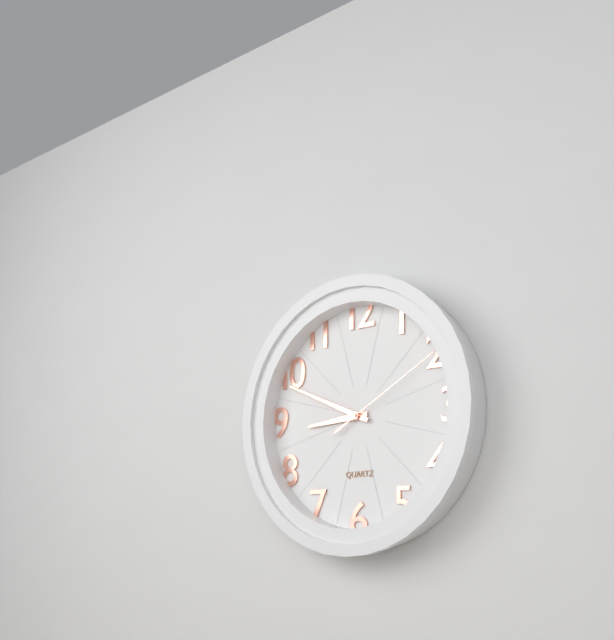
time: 8:49:10
